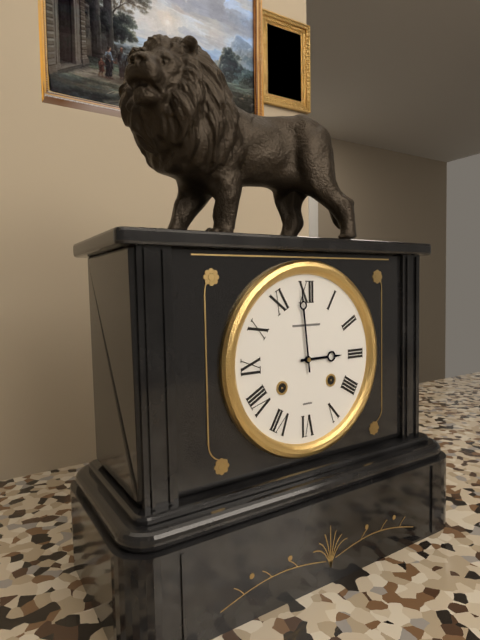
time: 2:59
